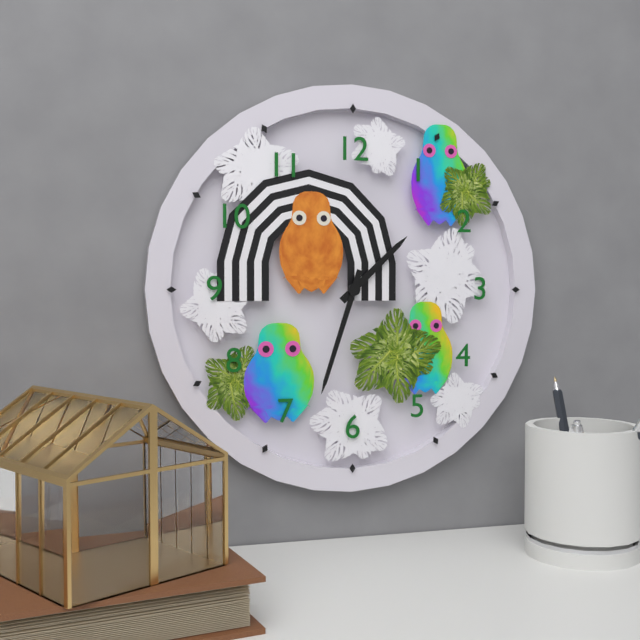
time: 1:33
